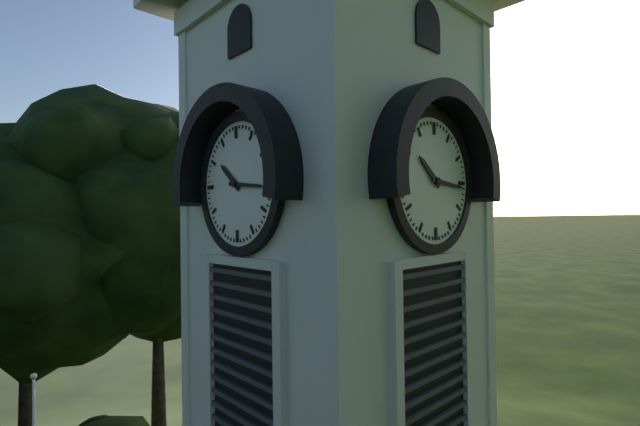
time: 10:16
